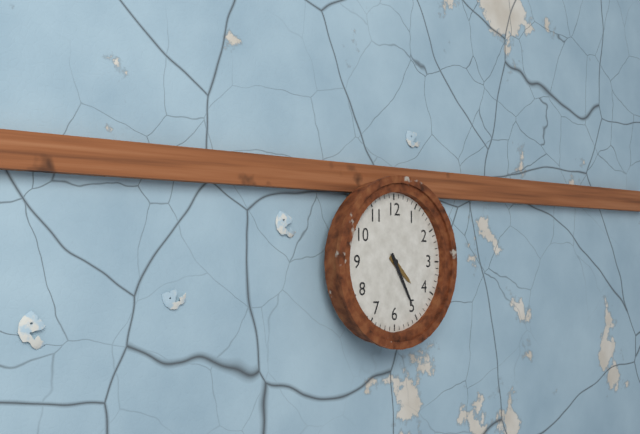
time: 4:25
